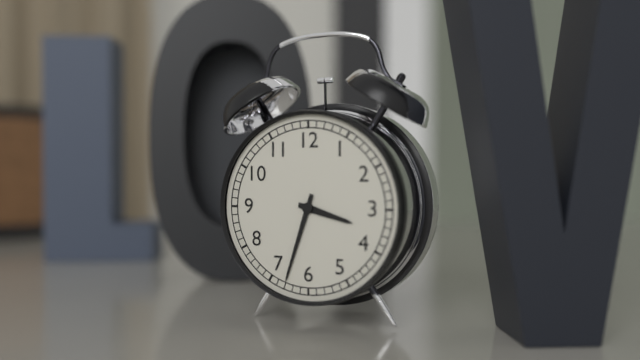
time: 3:33
